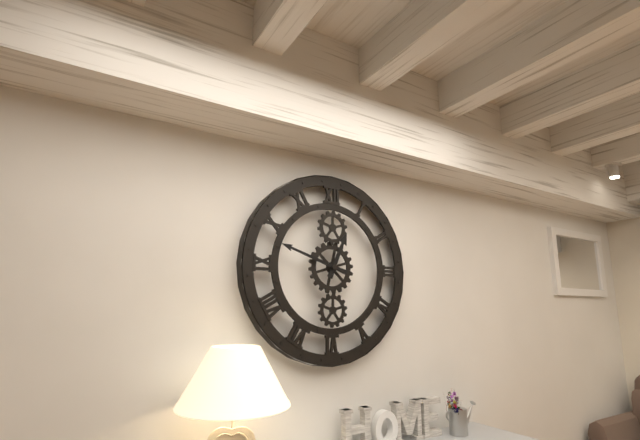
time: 12:48
